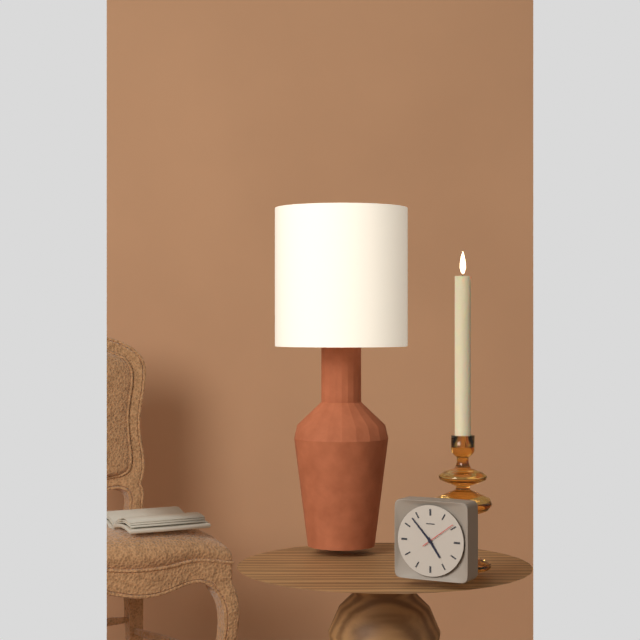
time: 4:53
